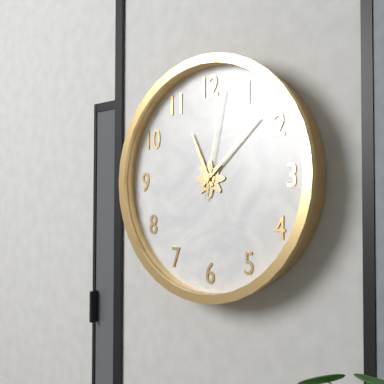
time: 11:08:02
